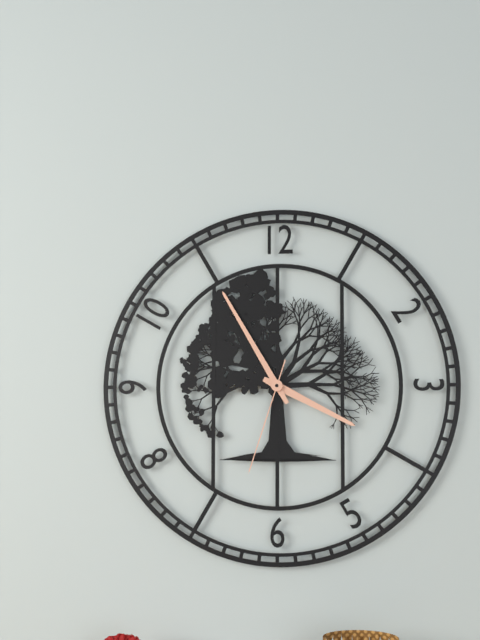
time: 3:55:33
